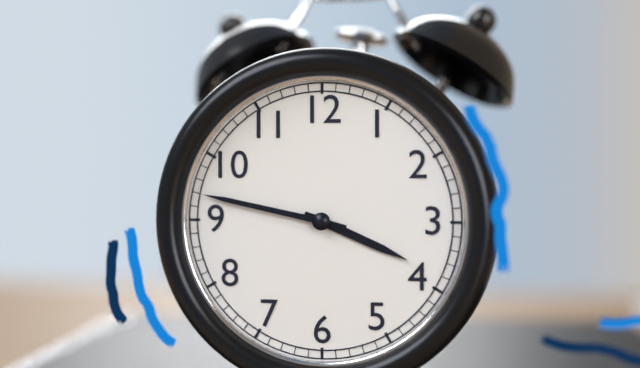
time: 3:47
